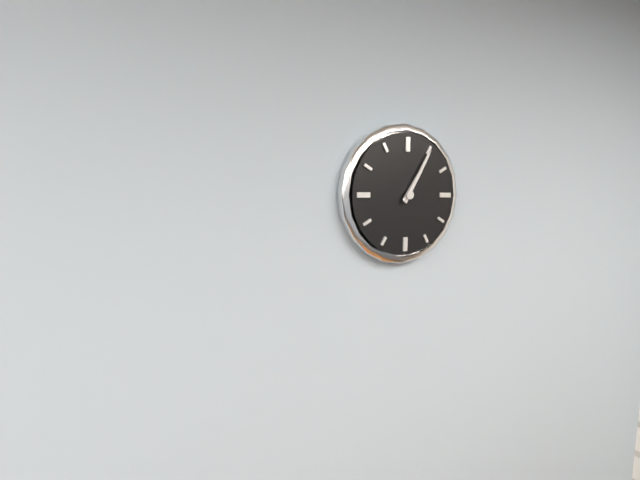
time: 1:05
